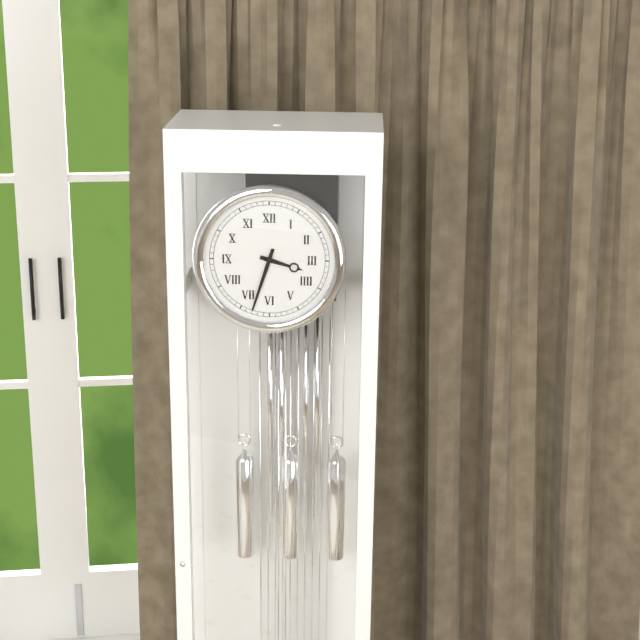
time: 3:33
